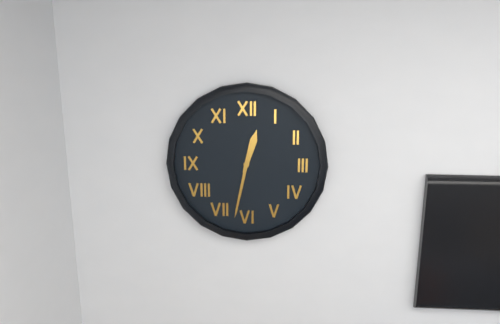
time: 12:32
